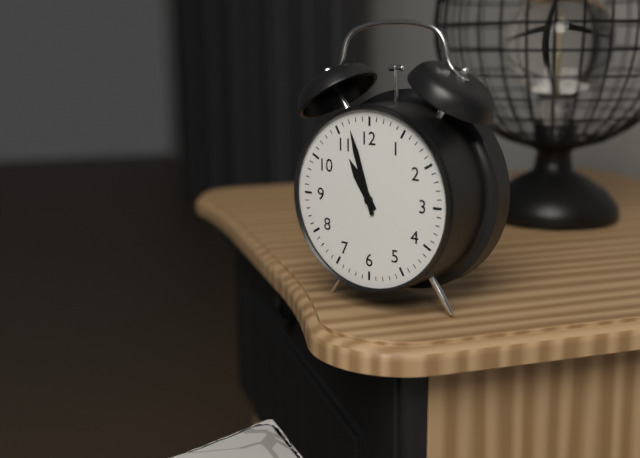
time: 10:57
